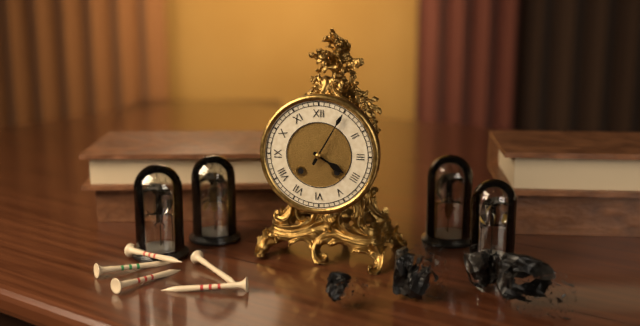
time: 4:05
